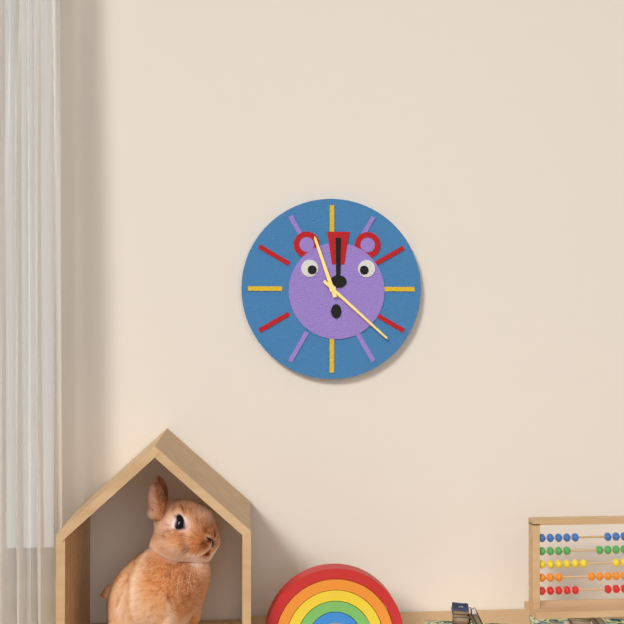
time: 11:22
